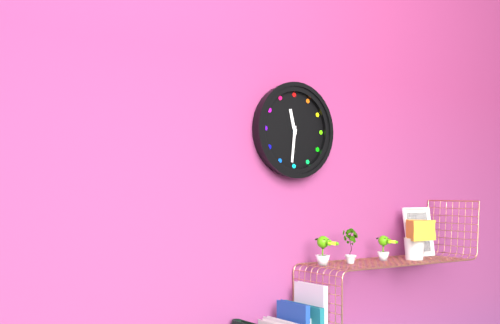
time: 11:31
